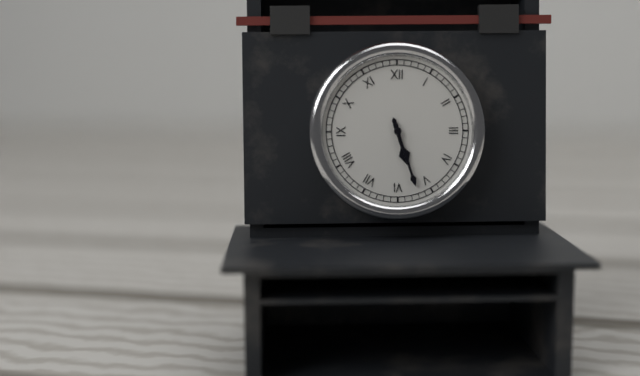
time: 5:27
